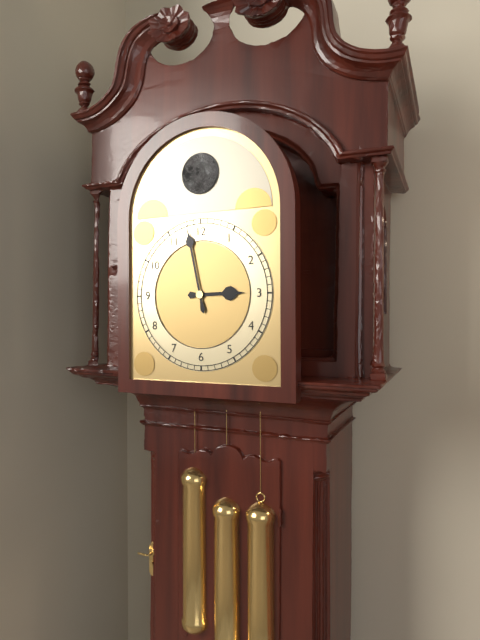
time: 2:58
